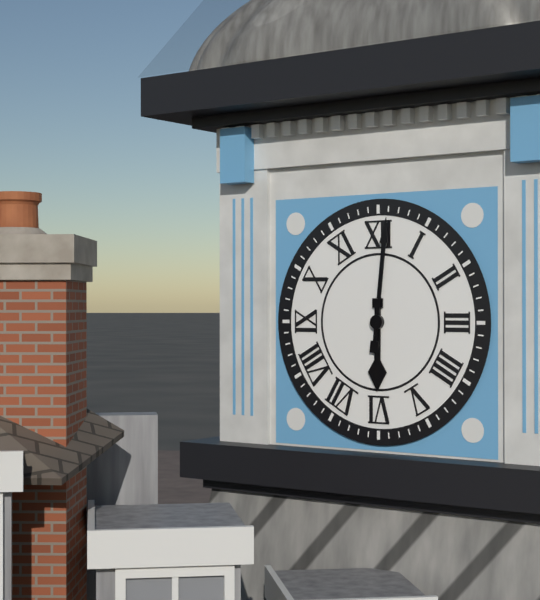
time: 6:01
